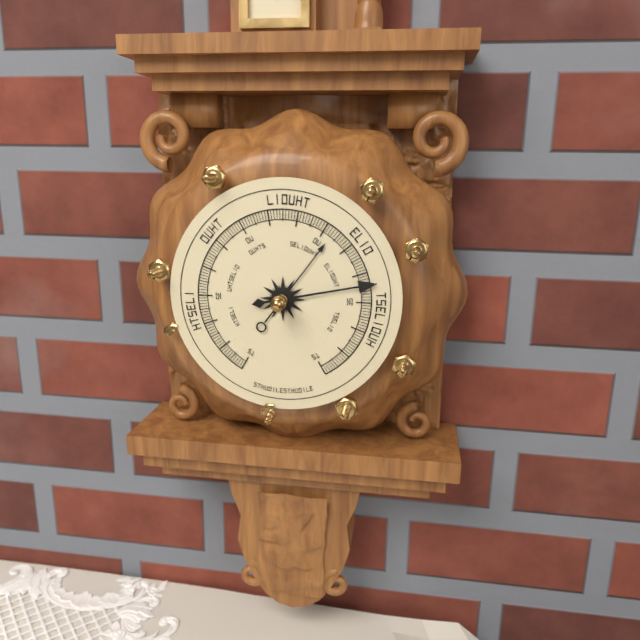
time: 1:13
